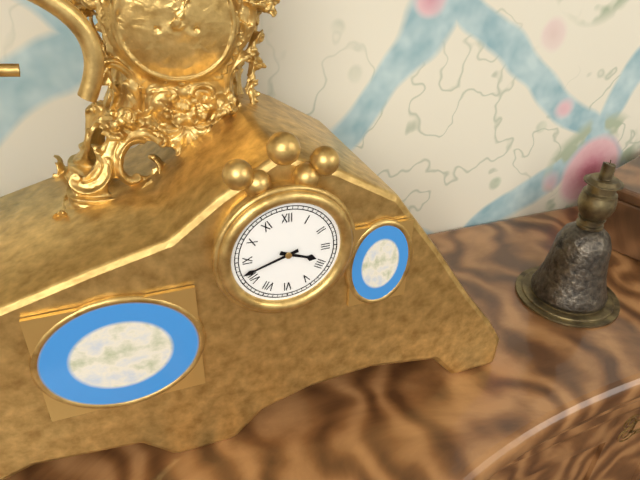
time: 3:42
